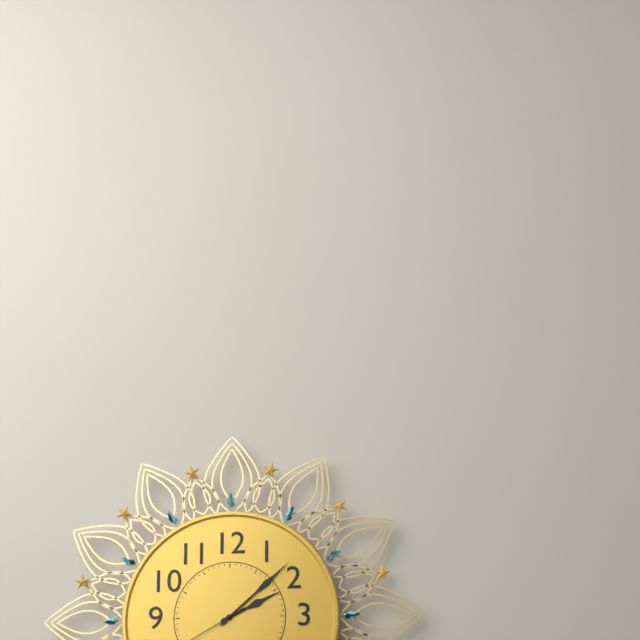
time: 2:08
